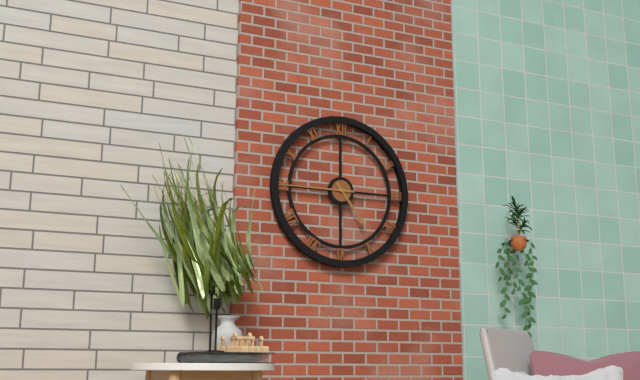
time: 4:45
